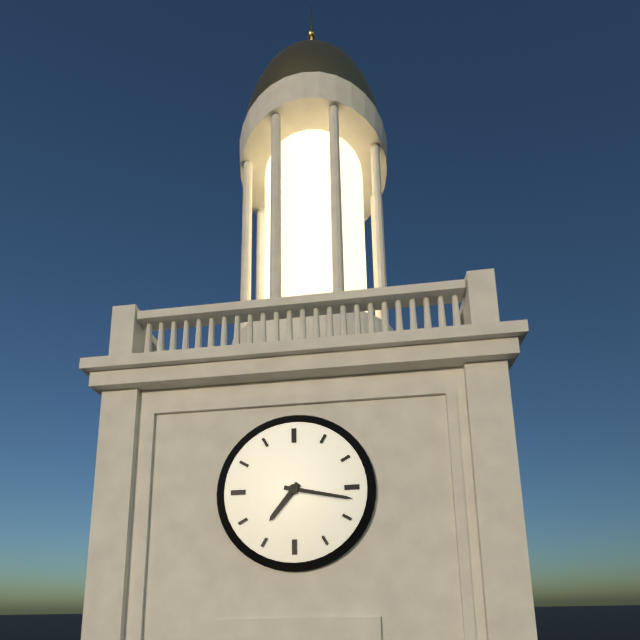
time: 7:17
